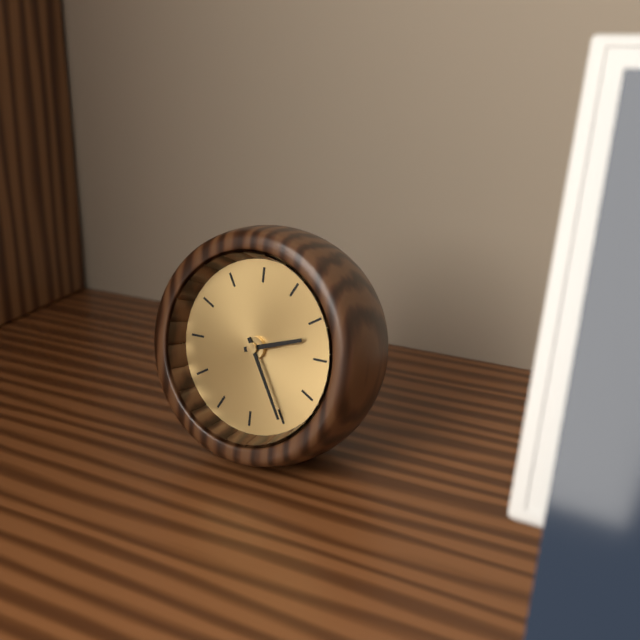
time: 2:25
